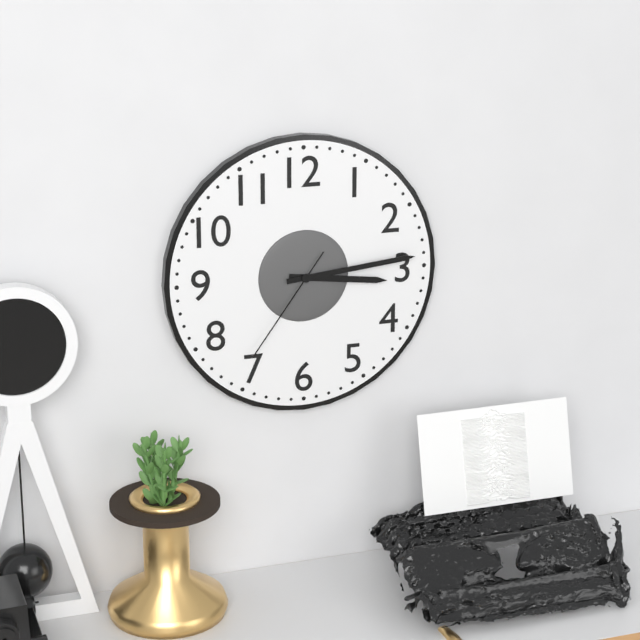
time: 3:14:36
